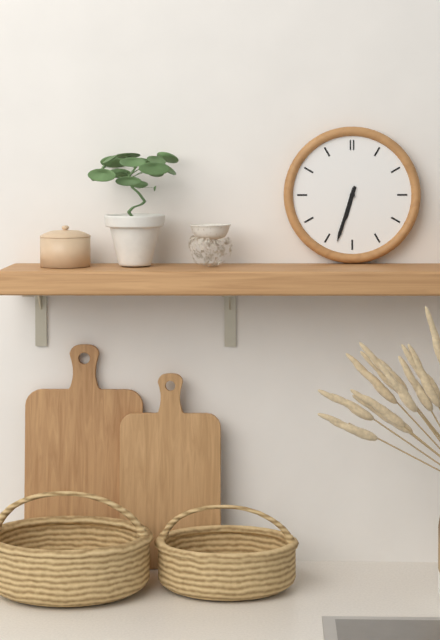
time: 6:33
